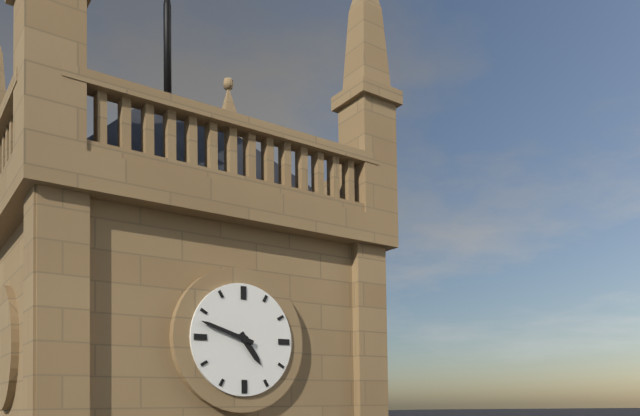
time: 4:48
